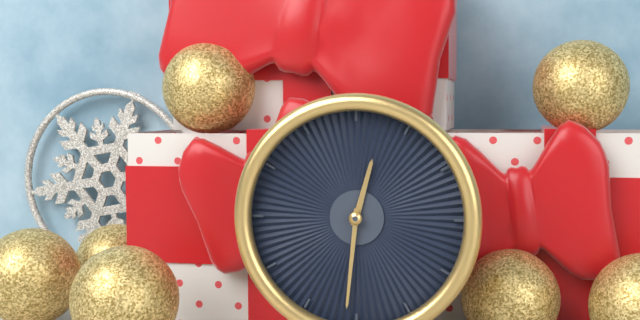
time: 12:31
